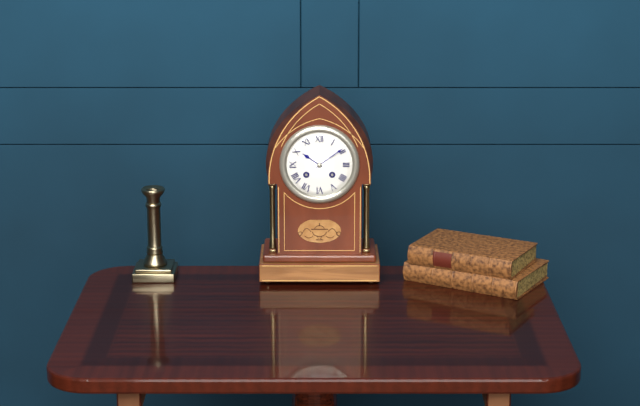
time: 10:09
